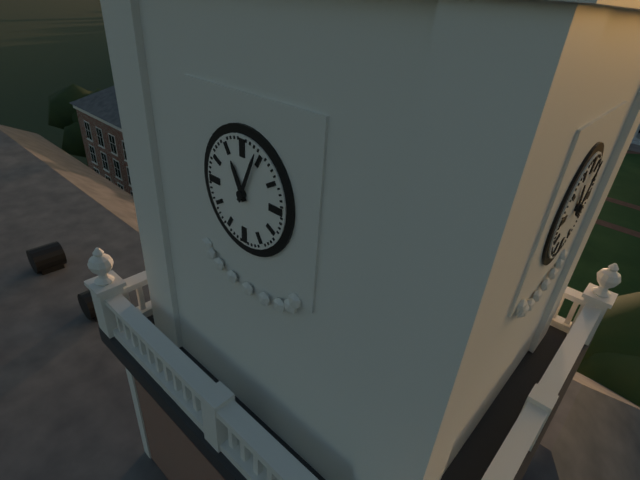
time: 11:04
